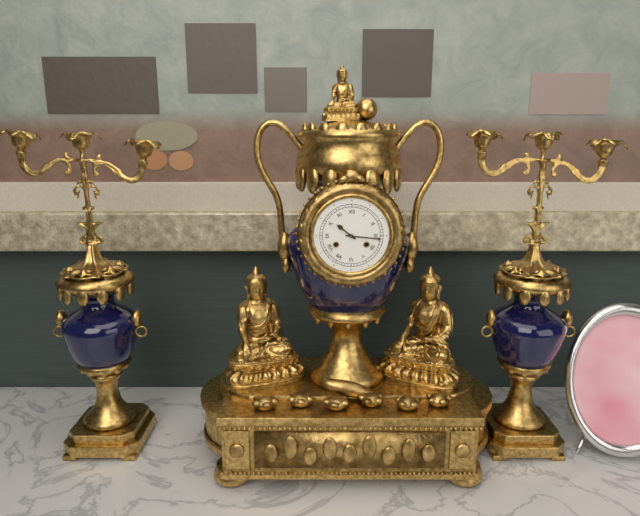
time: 10:16
